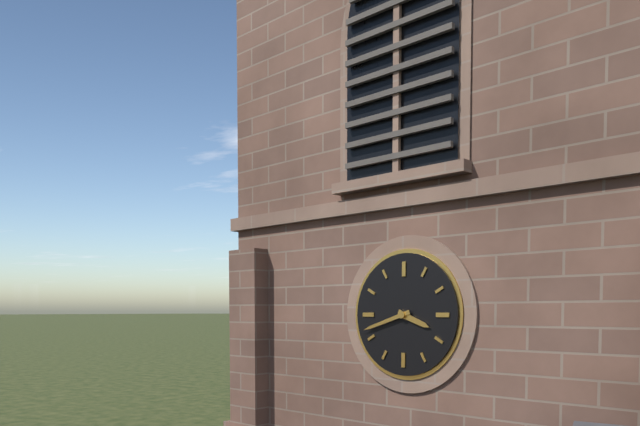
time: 3:42
